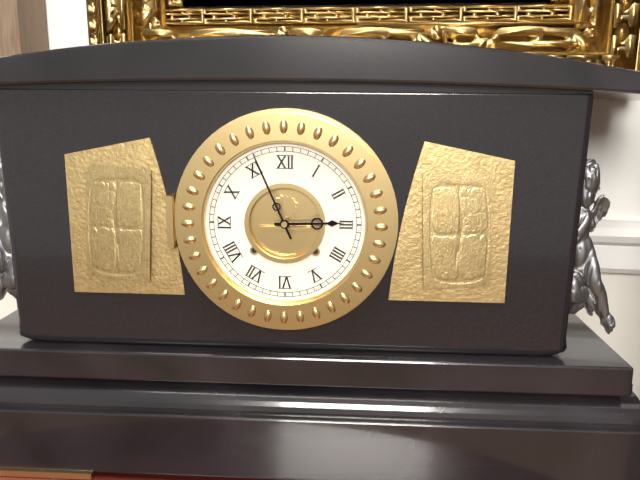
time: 2:56
